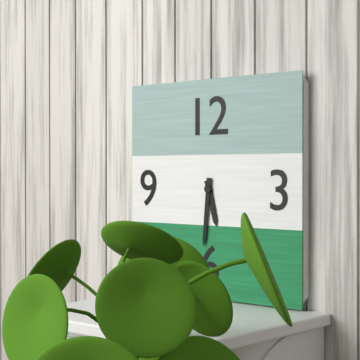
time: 5:31
